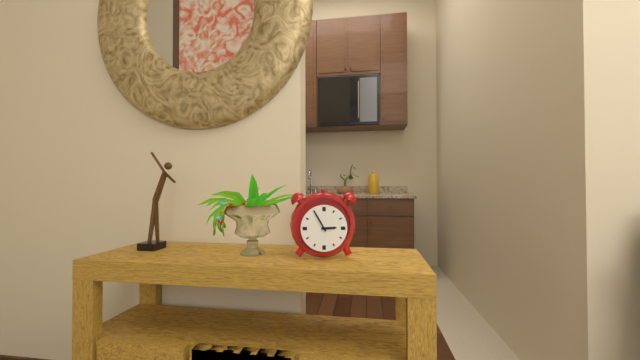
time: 2:55
